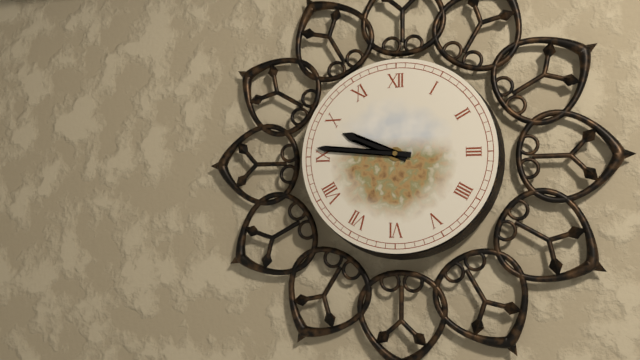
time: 9:46
